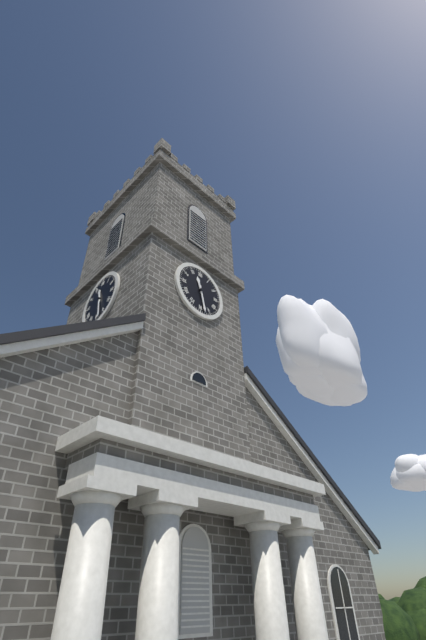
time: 11:28
